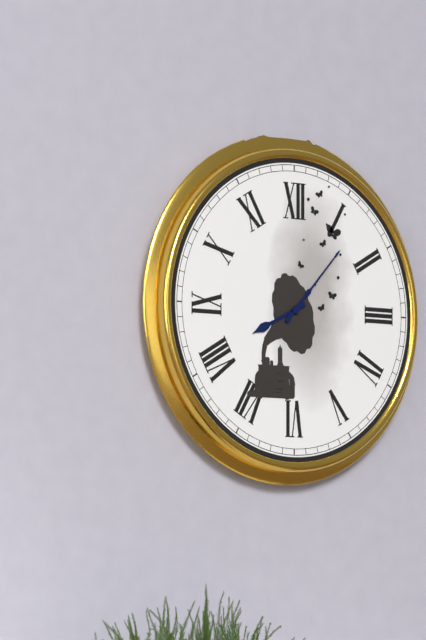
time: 8:07
